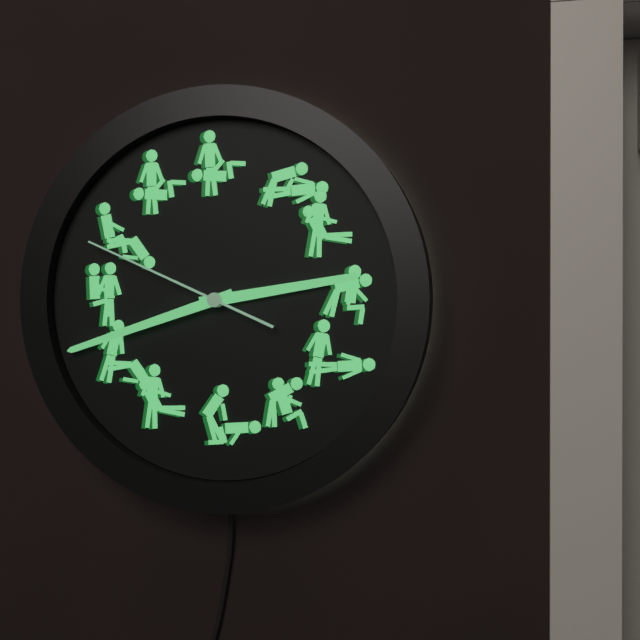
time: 2:42:49
